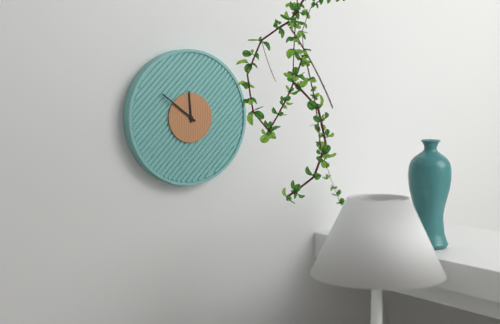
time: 11:51
